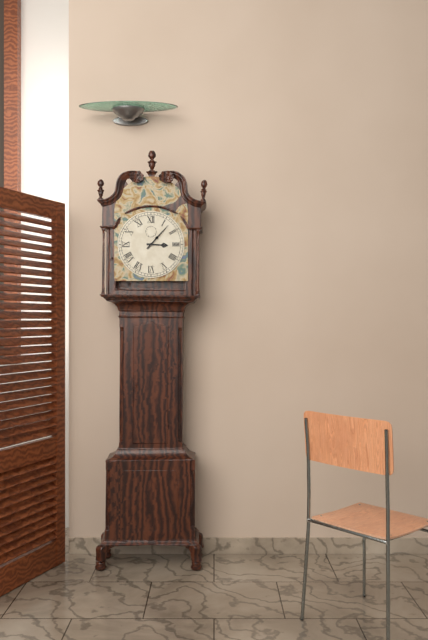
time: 3:07
